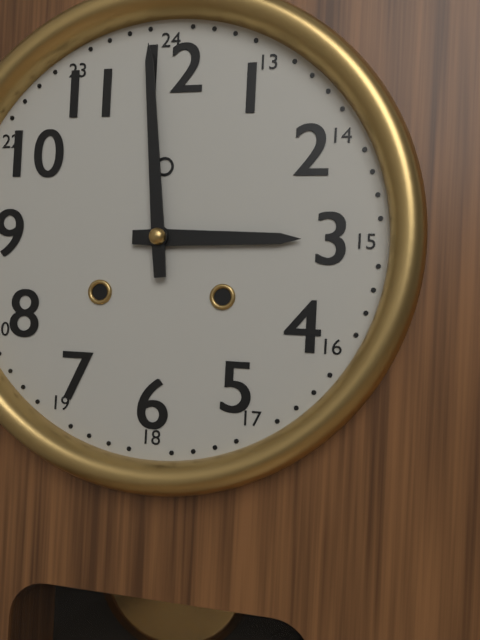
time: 2:59
